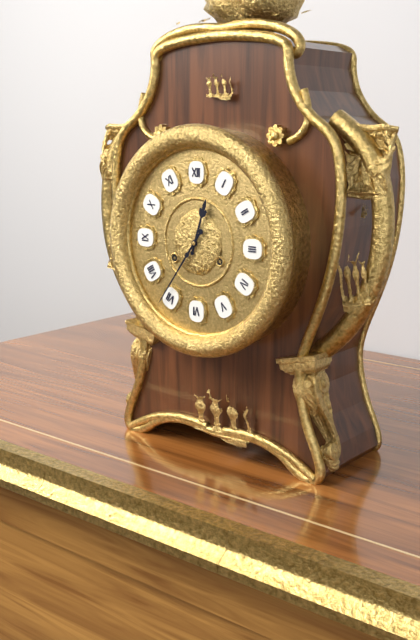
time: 12:36
